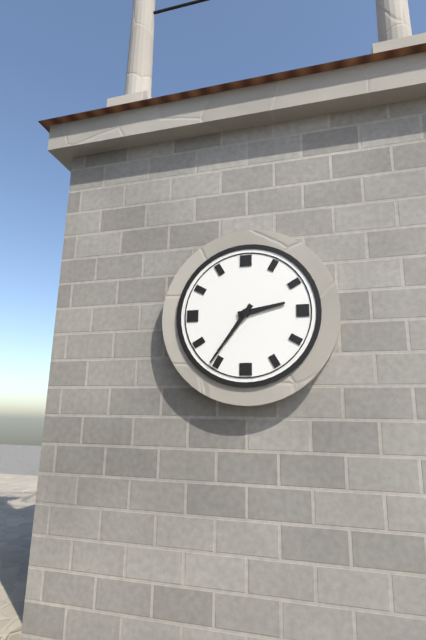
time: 2:36
